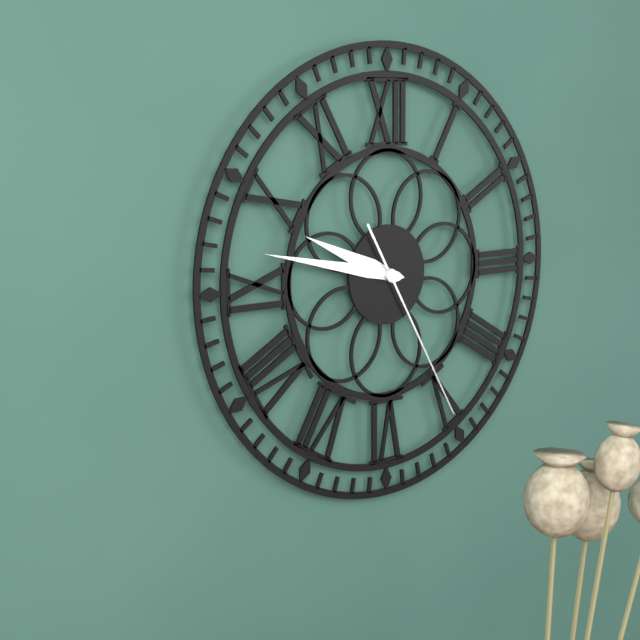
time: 9:47:25
